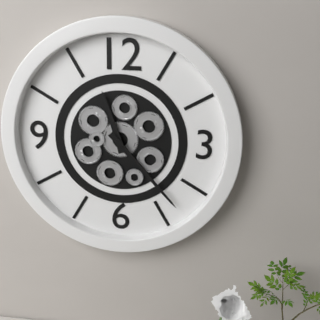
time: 11:23
